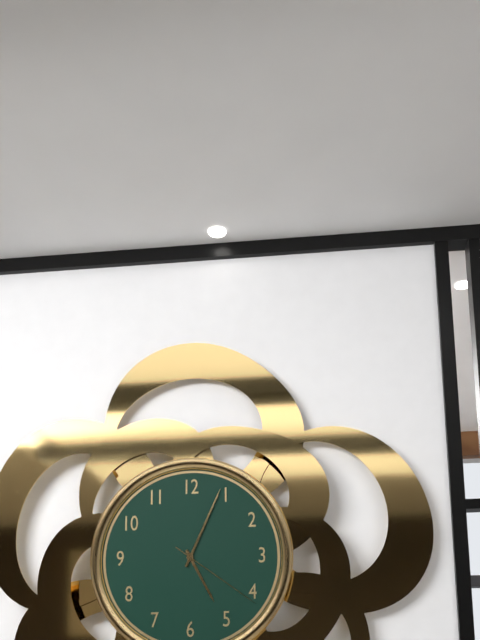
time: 5:04:21
